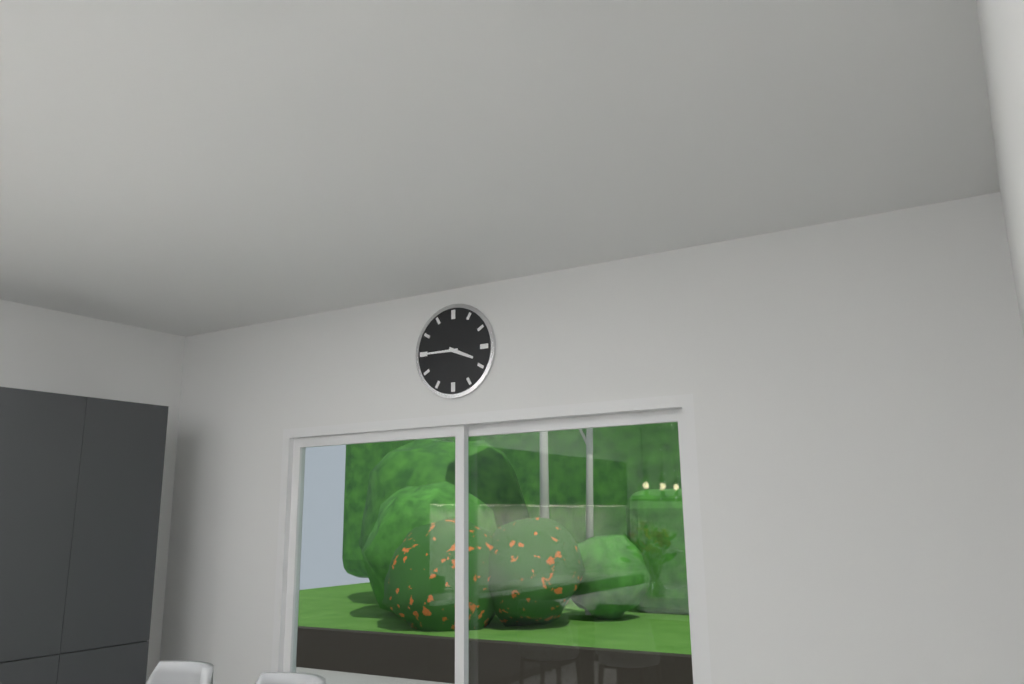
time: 3:45
